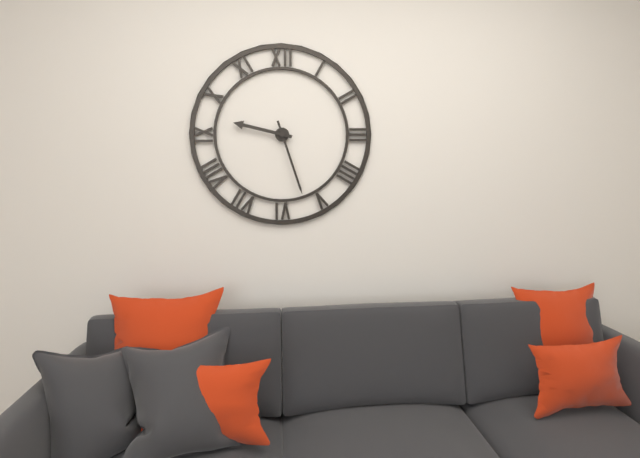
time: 9:27
